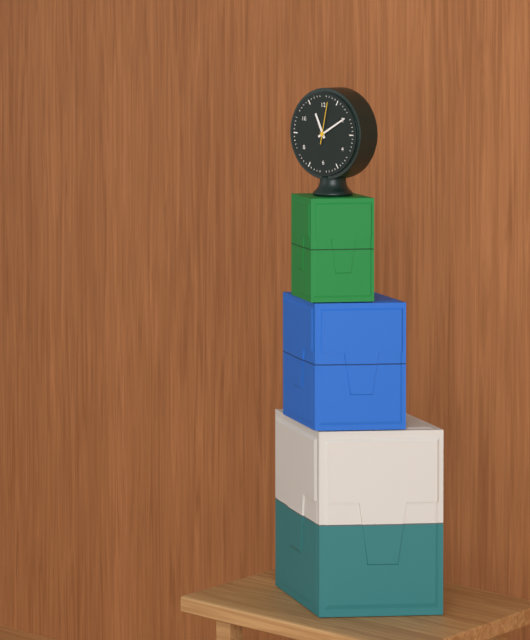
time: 11:10
